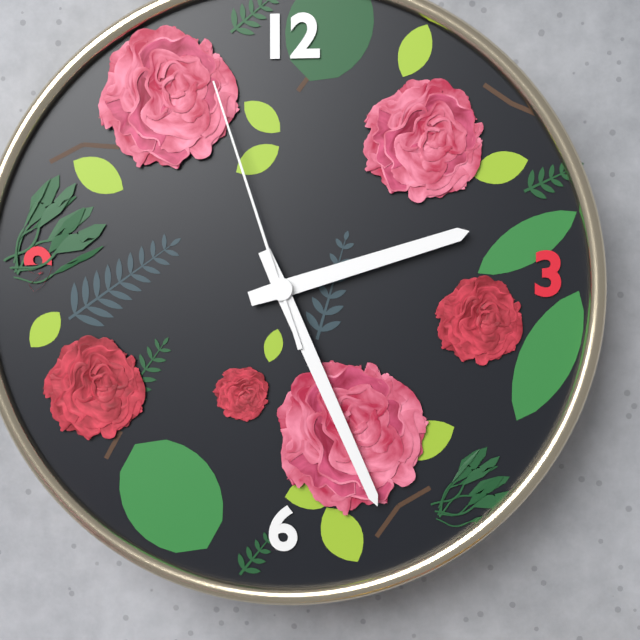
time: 2:26:57
